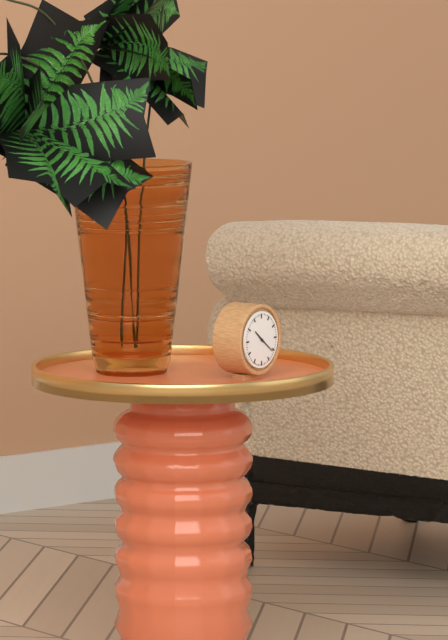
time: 10:21
